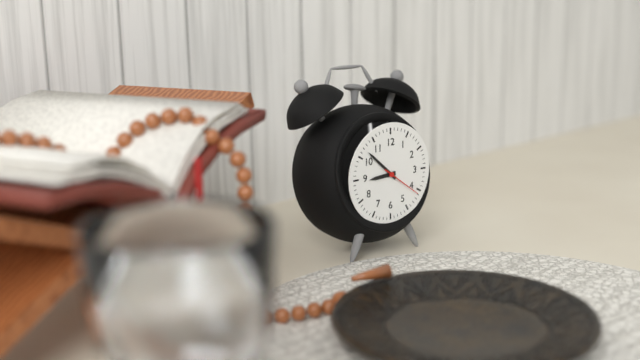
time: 8:52
